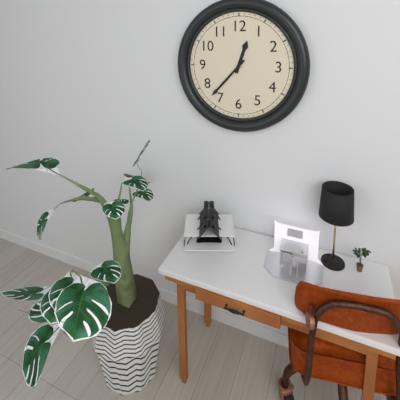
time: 12:37
